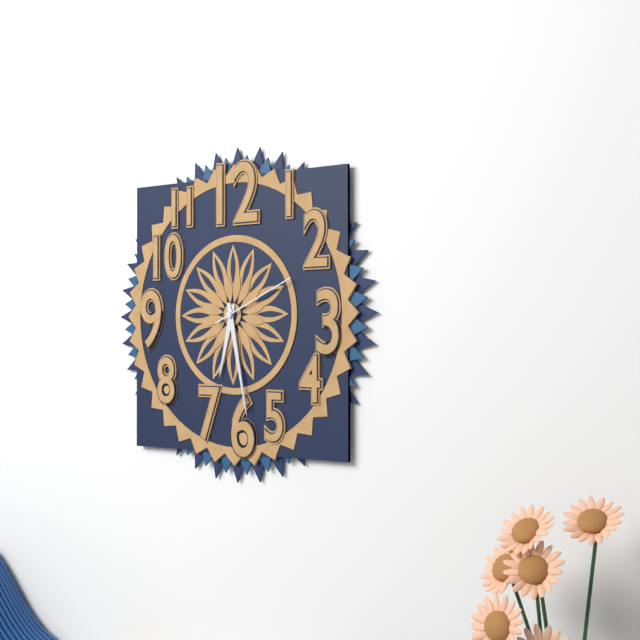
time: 6:28:11
